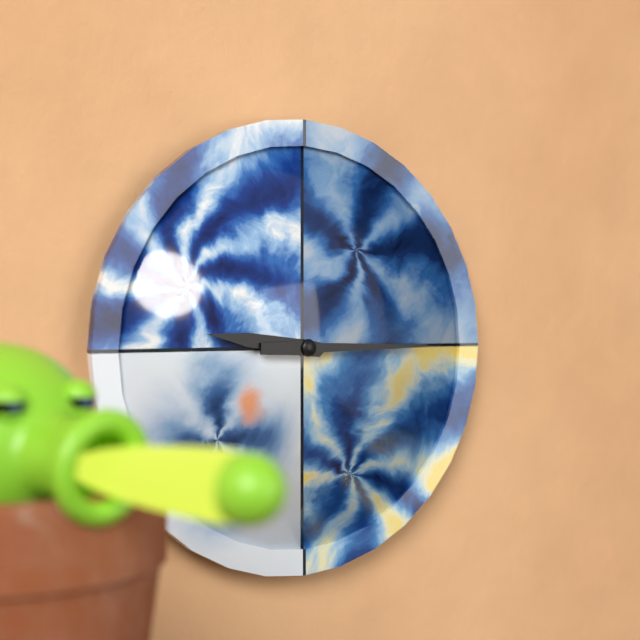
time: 9:15
